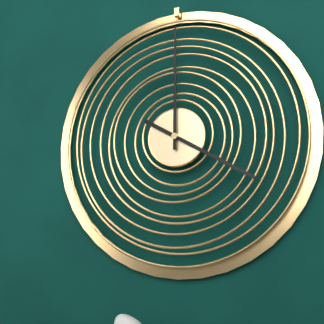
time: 4:00
